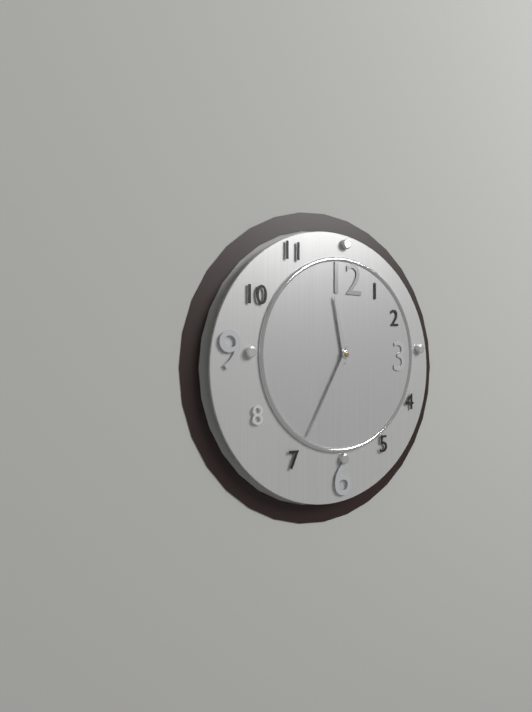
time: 11:35
